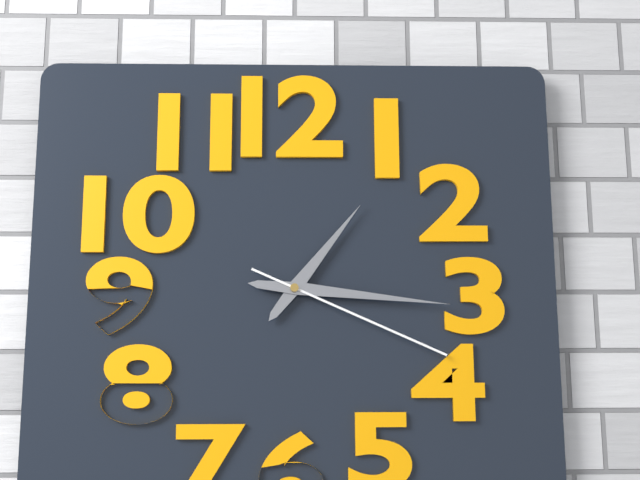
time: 1:16:19
